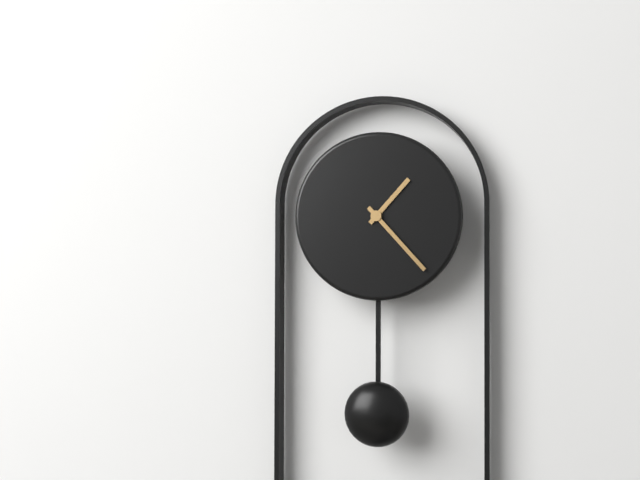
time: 1:23
